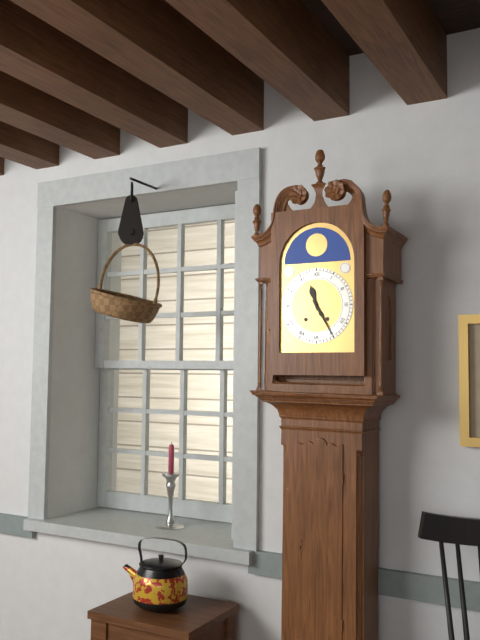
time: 11:25
